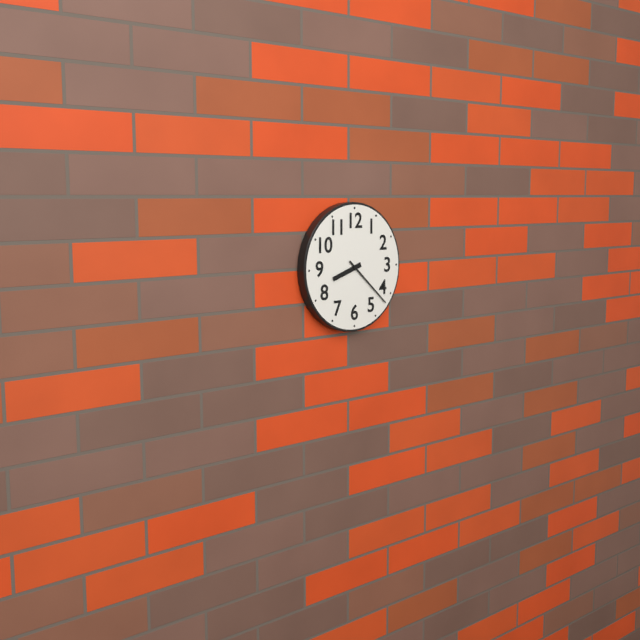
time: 8:22
